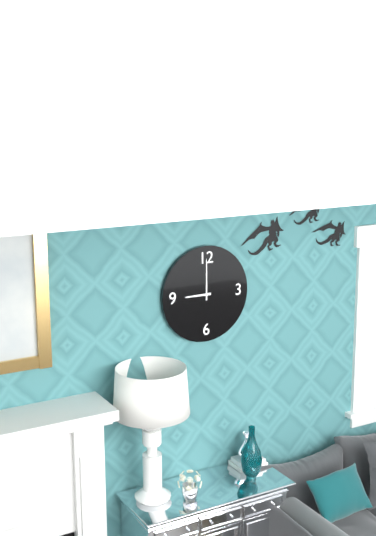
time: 9:00
